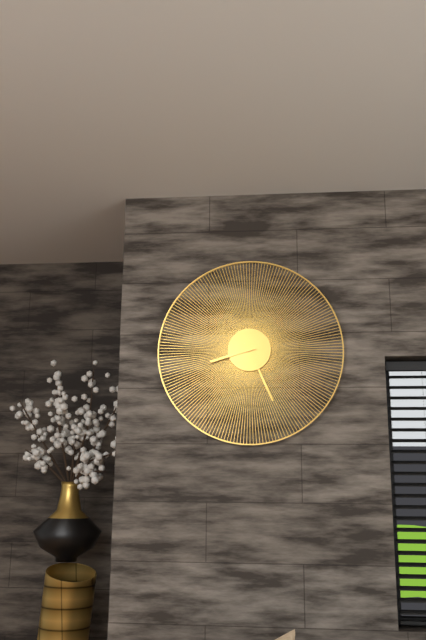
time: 8:26
